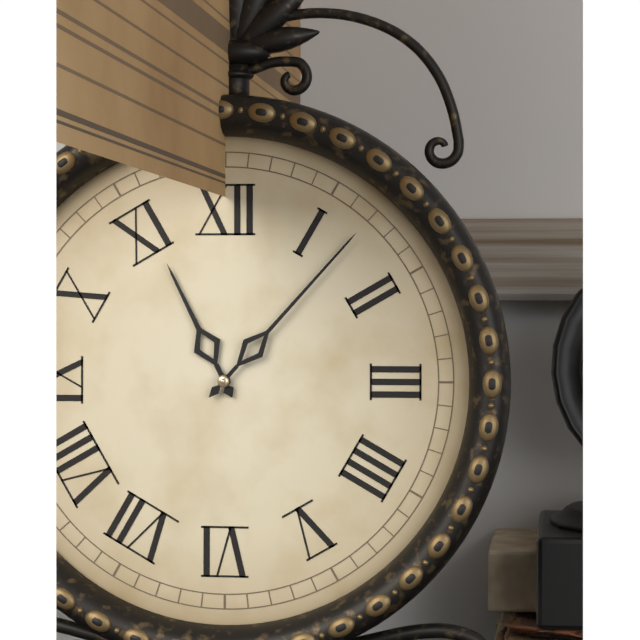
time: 11:07
